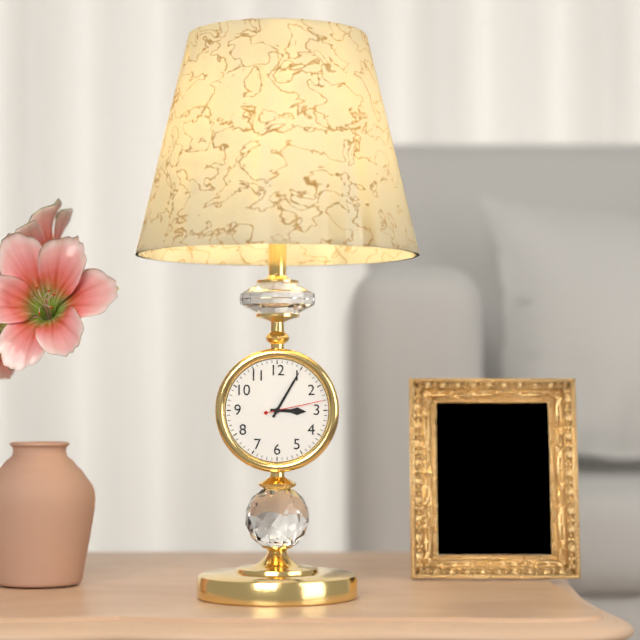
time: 3:05:13
